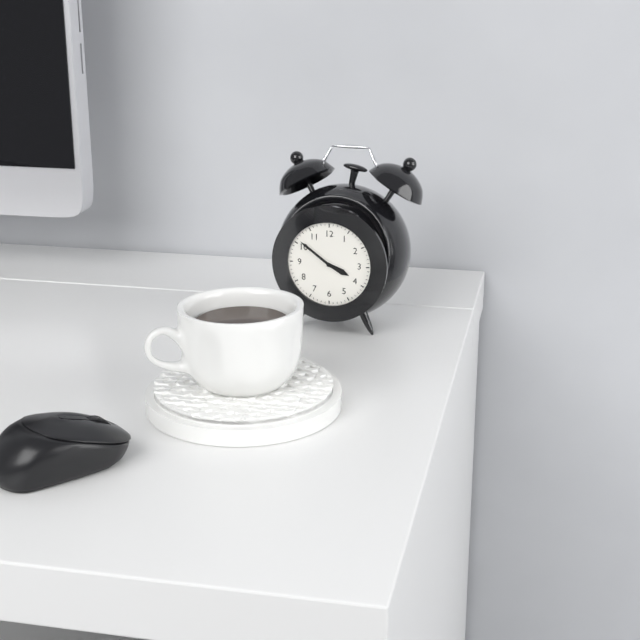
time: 3:51
